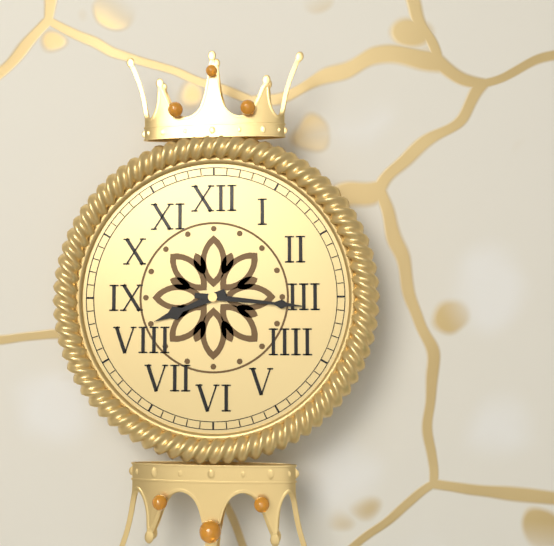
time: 8:16
